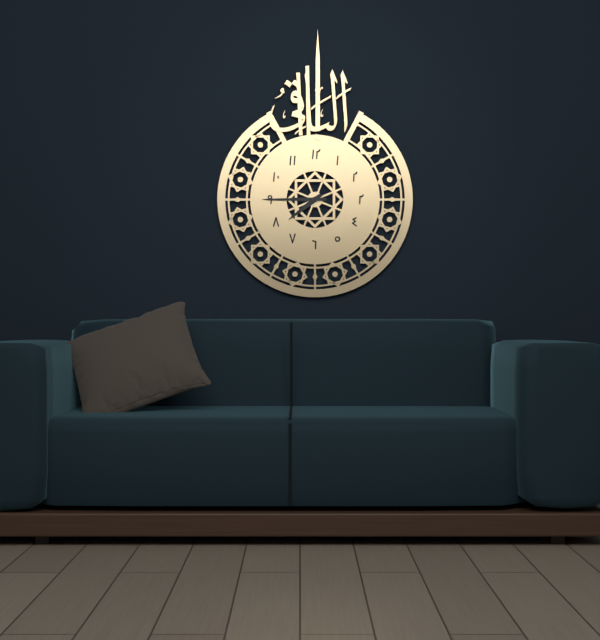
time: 7:45
